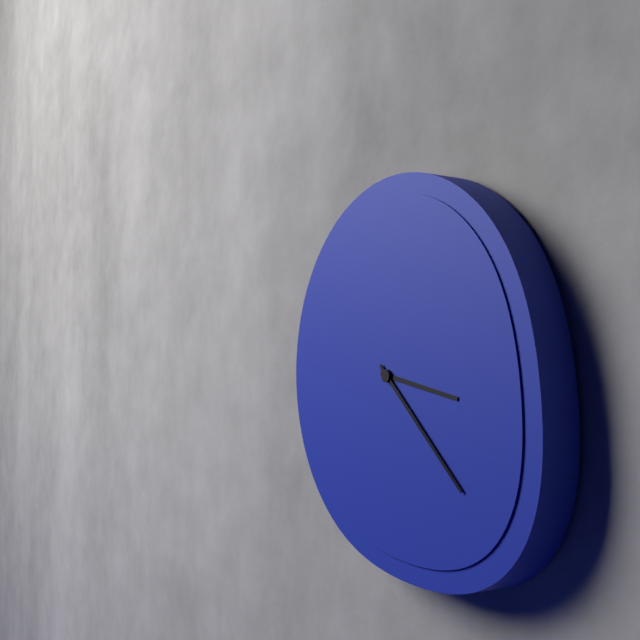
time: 3:22
